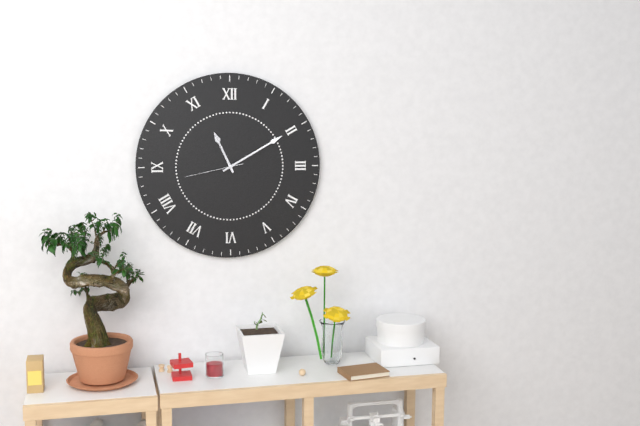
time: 11:10:43
